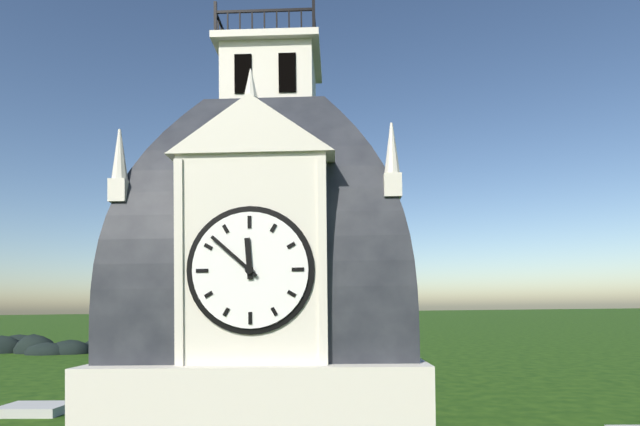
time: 11:52
